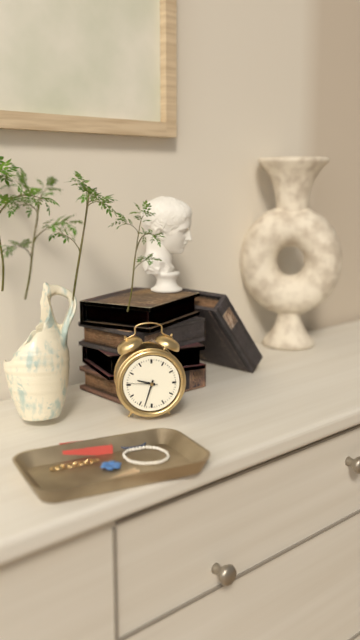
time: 9:33
